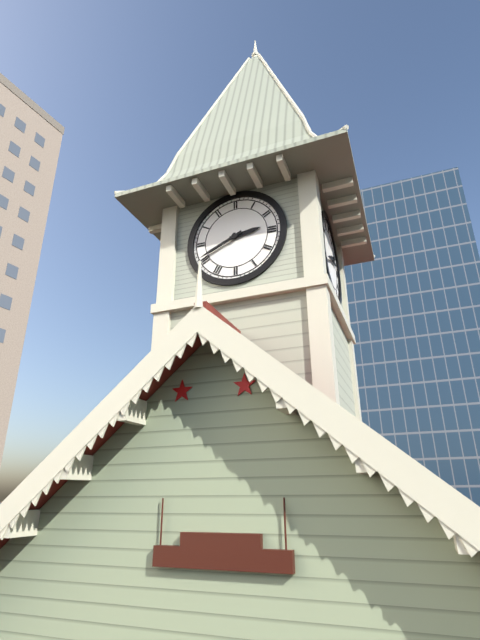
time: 2:41
